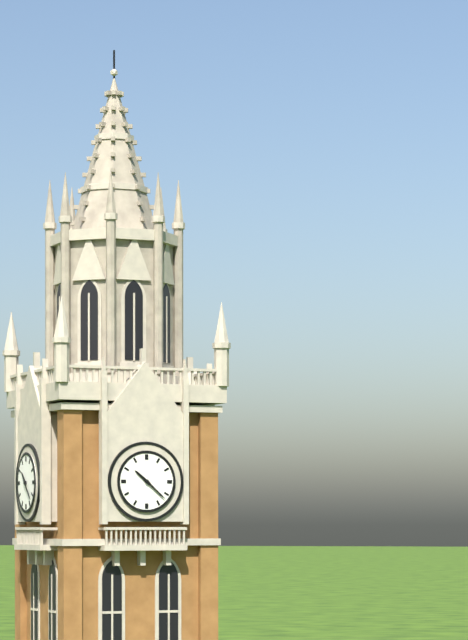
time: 10:22
